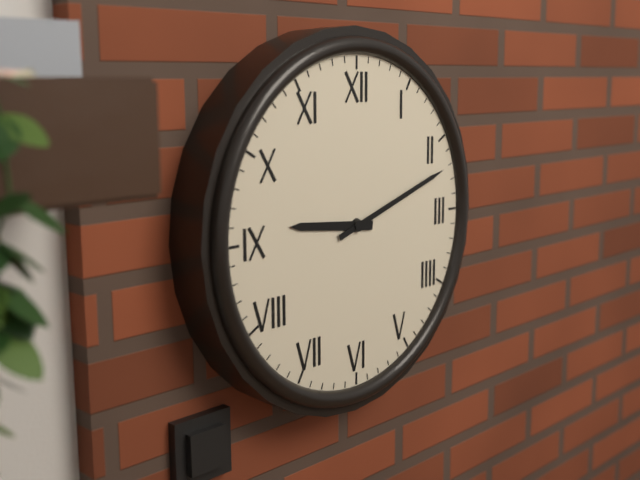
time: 9:12
